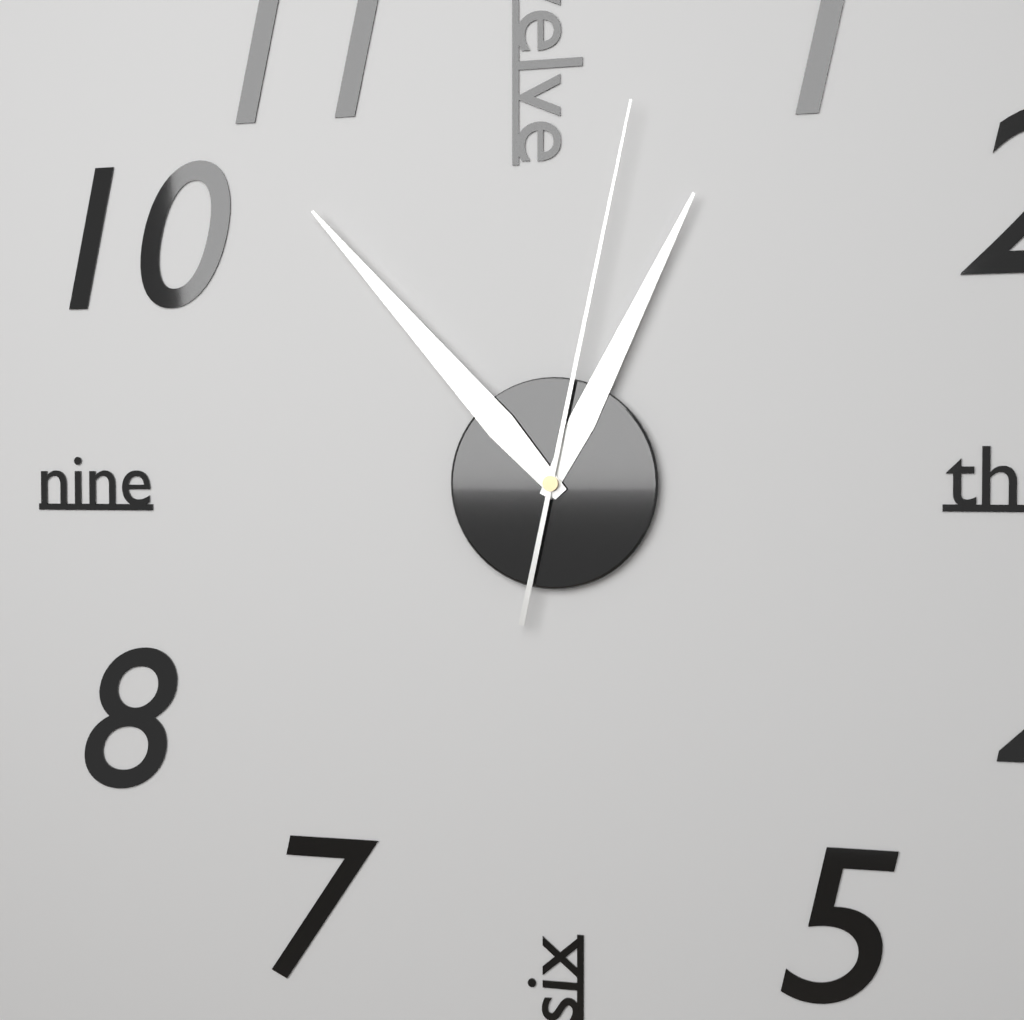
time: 12:53:02
